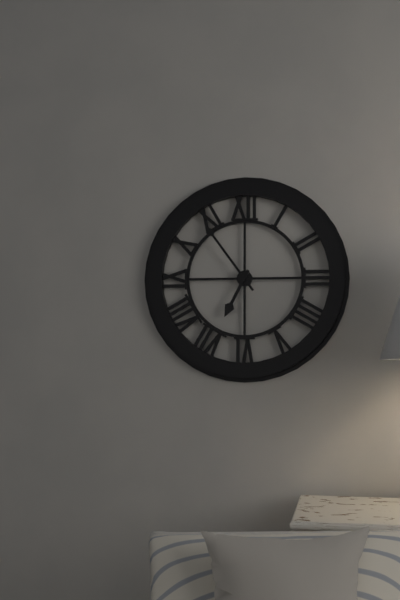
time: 6:54
